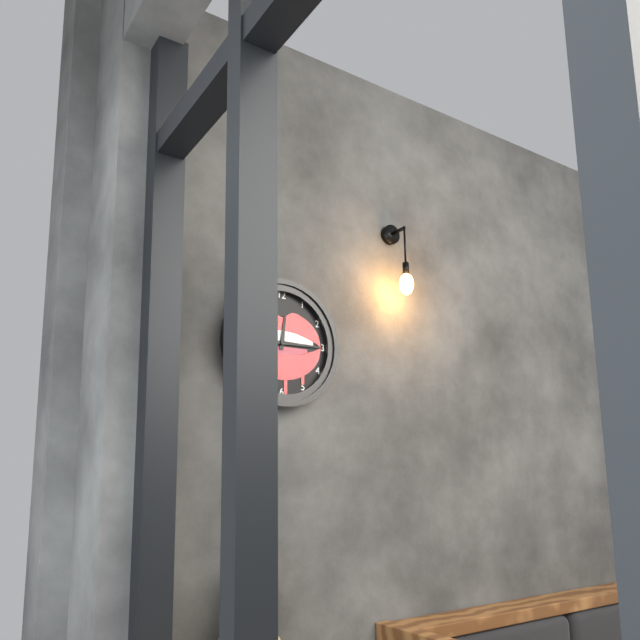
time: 12:15
